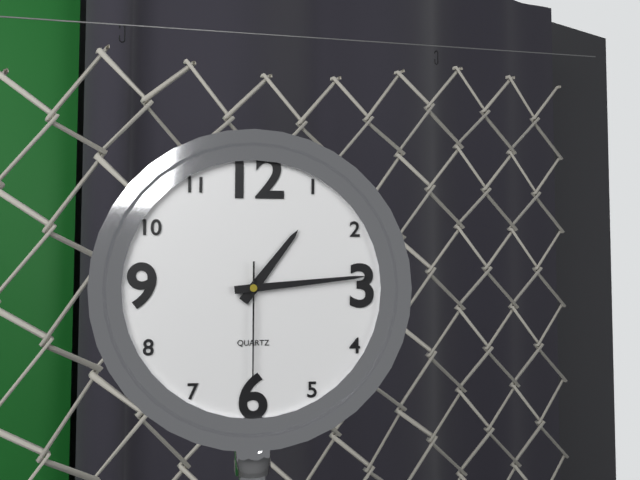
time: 1:14:30
